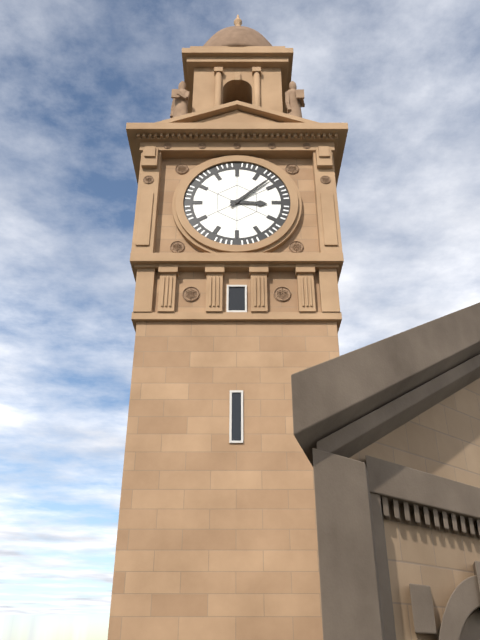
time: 3:08
